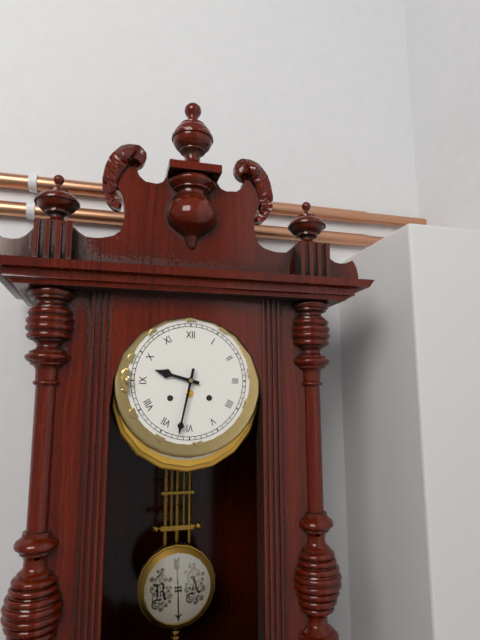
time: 9:32
